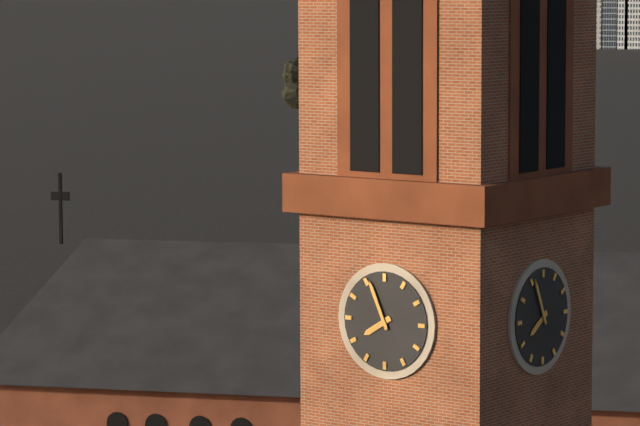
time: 7:56
